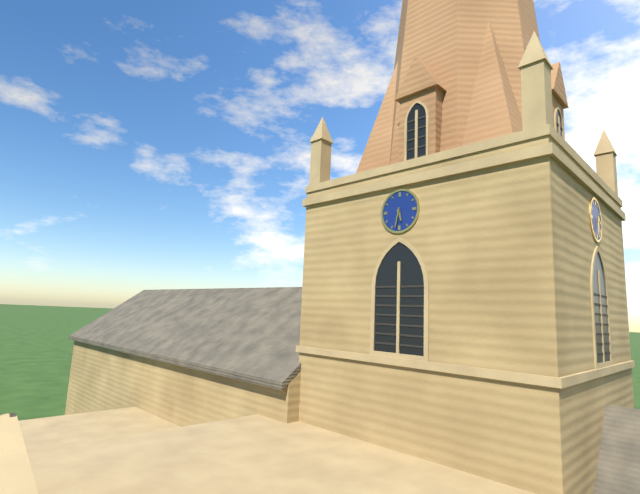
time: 5:32
